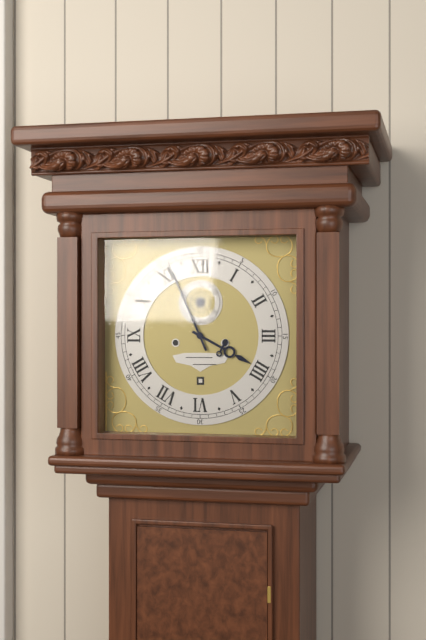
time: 3:56
